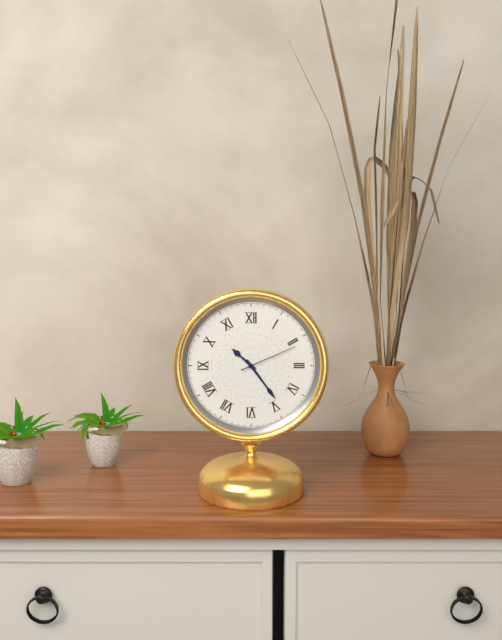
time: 10:24:11
